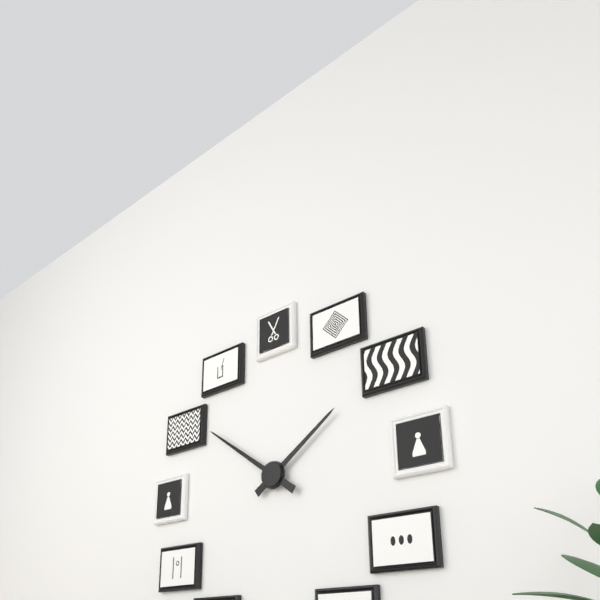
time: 1:51
